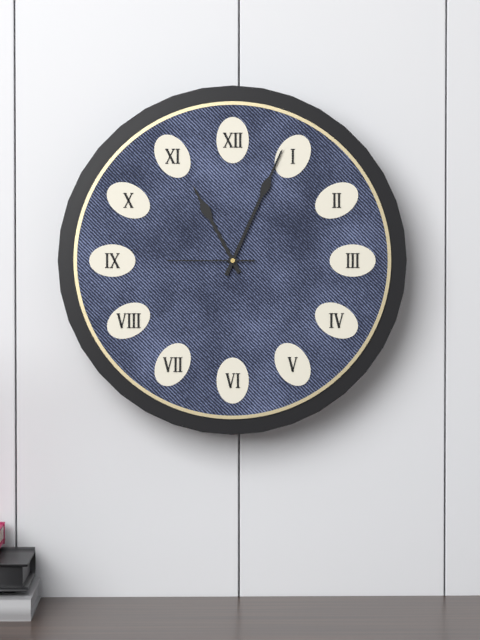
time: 11:04:45
